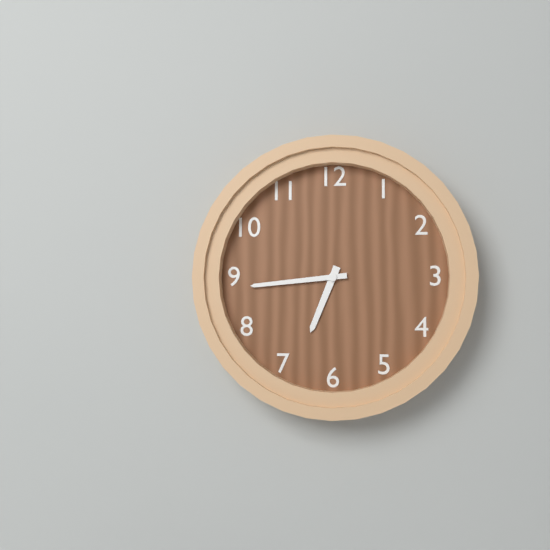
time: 6:44
